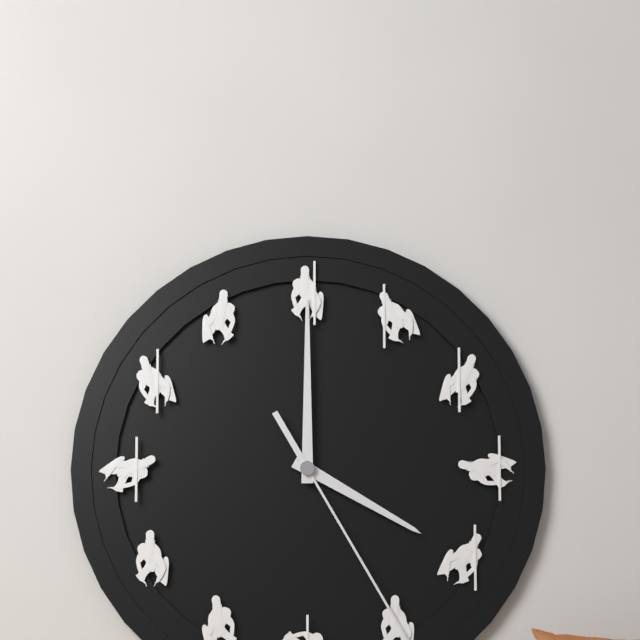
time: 4:00
